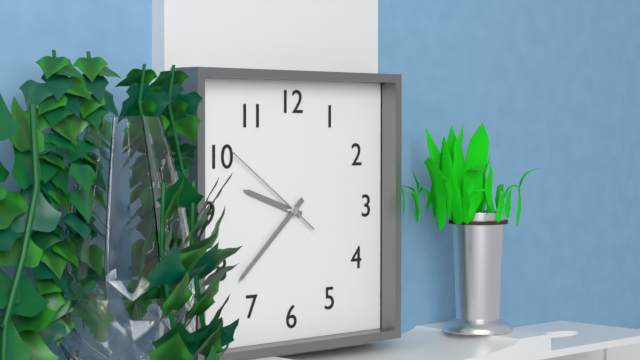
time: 9:38:51
